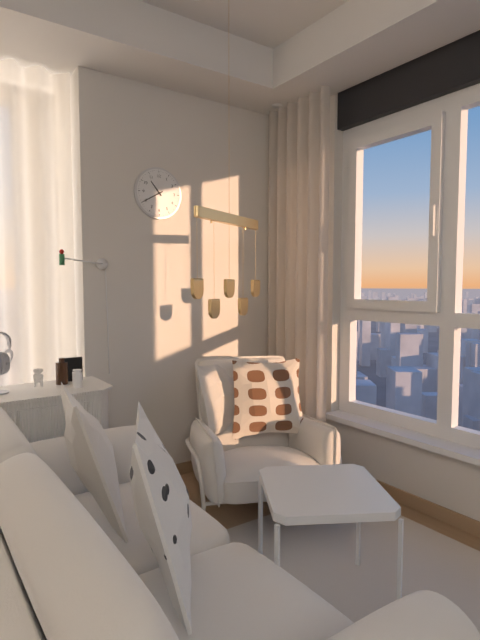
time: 10:40
